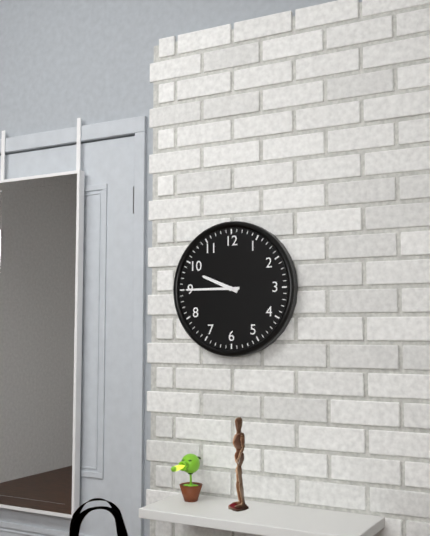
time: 9:45
